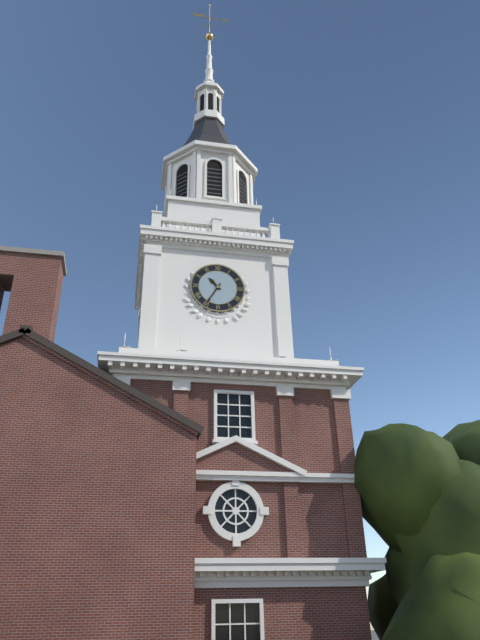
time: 10:35
